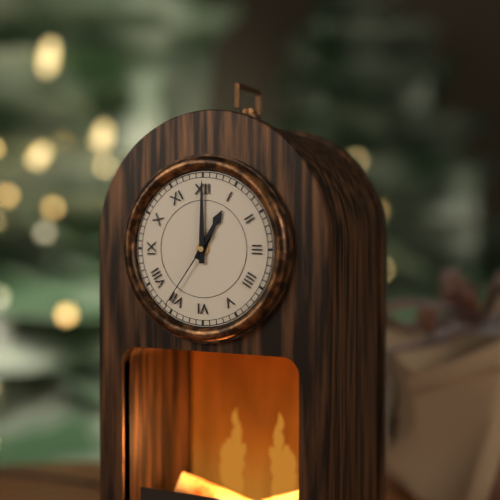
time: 1:00:36
